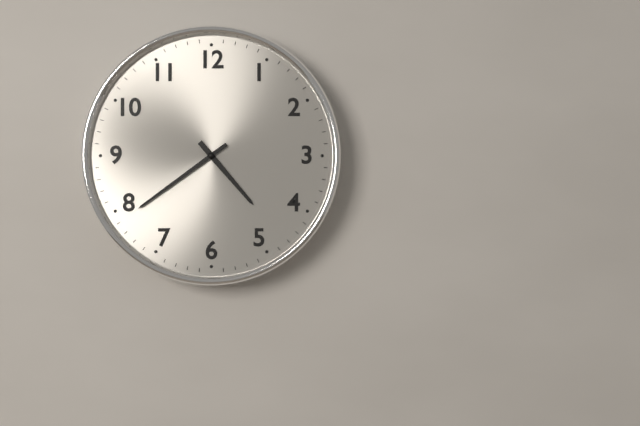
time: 4:39
